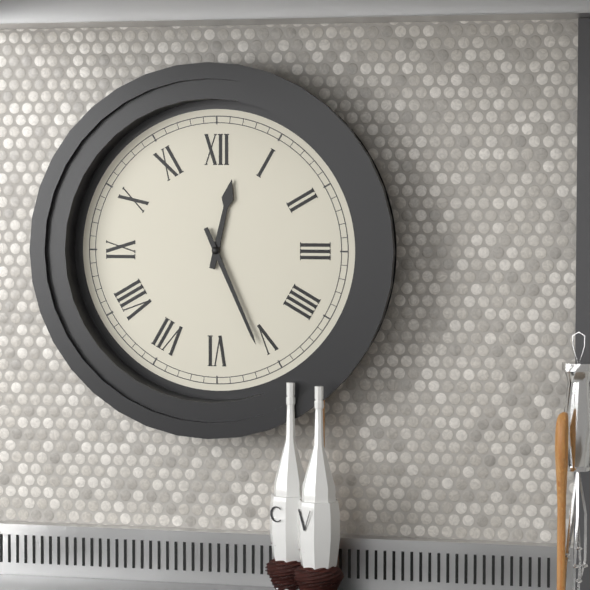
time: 12:26
